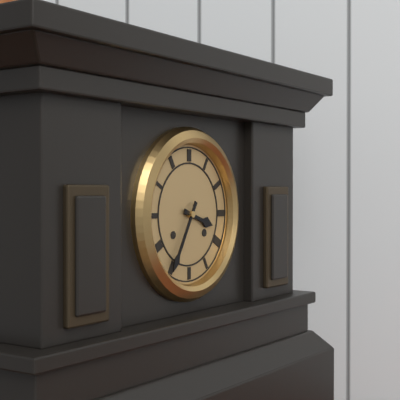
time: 3:35
